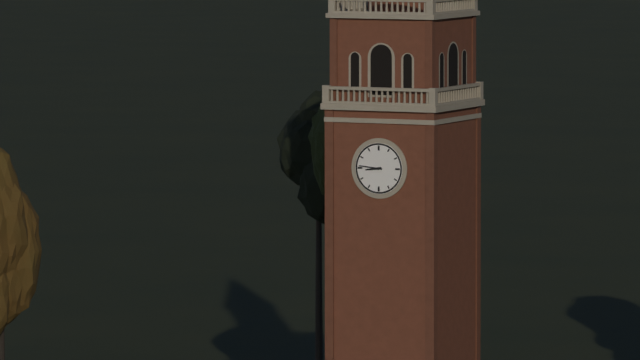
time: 8:46
